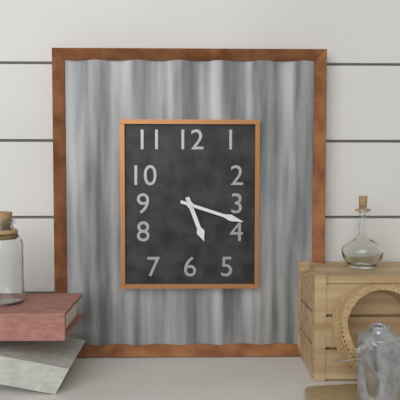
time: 5:18
